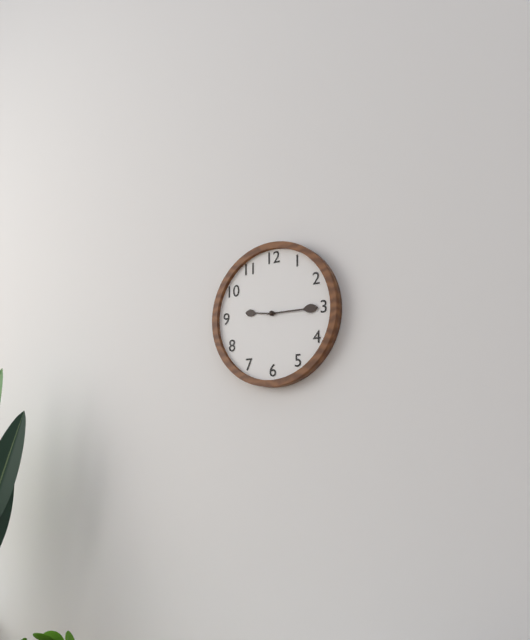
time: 9:15
